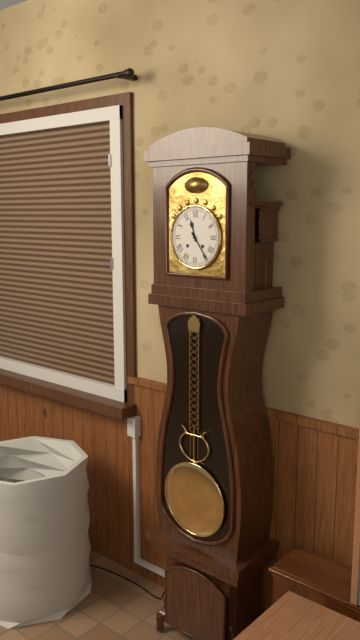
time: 11:24
